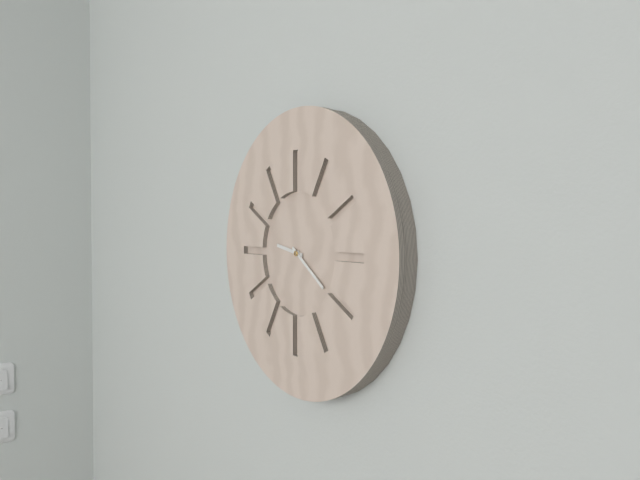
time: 9:21
